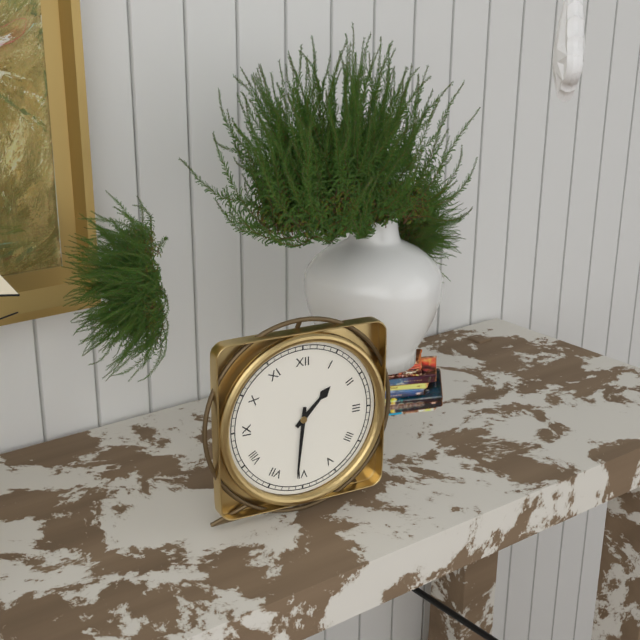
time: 1:31
